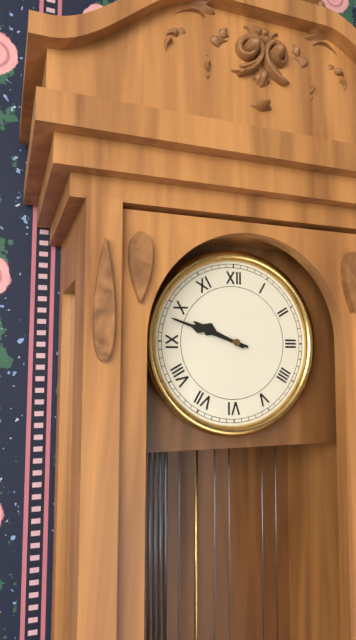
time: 9:48
